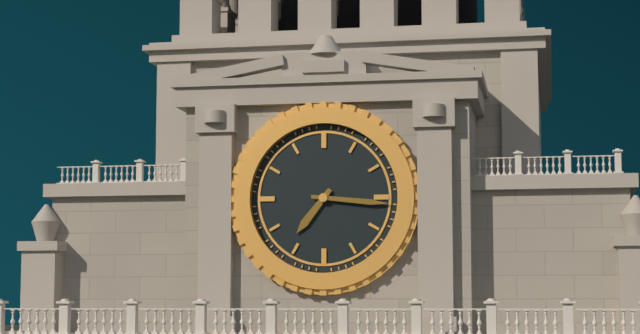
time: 7:16
